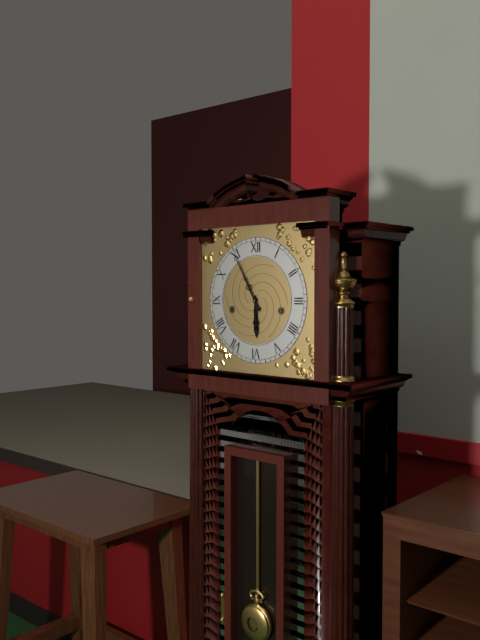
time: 5:55
